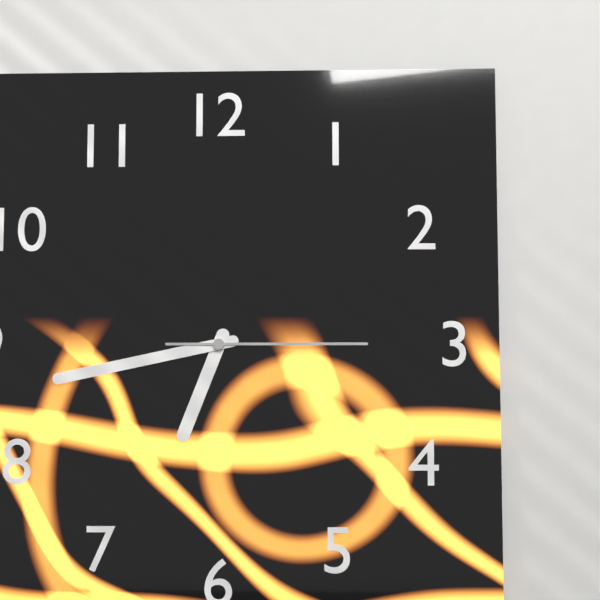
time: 6:43:15
